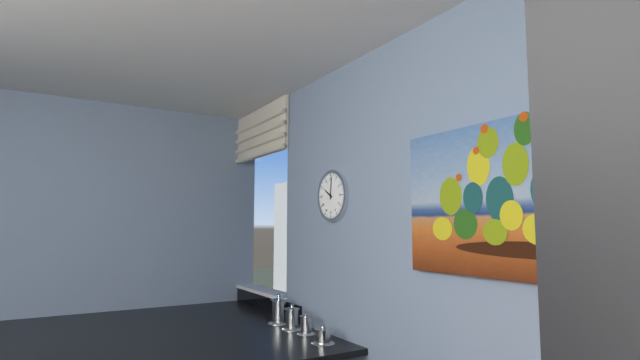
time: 10:01
